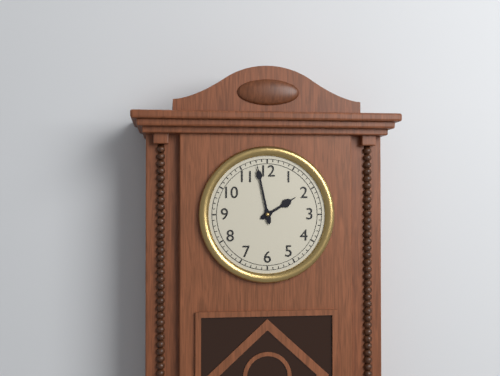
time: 1:58
